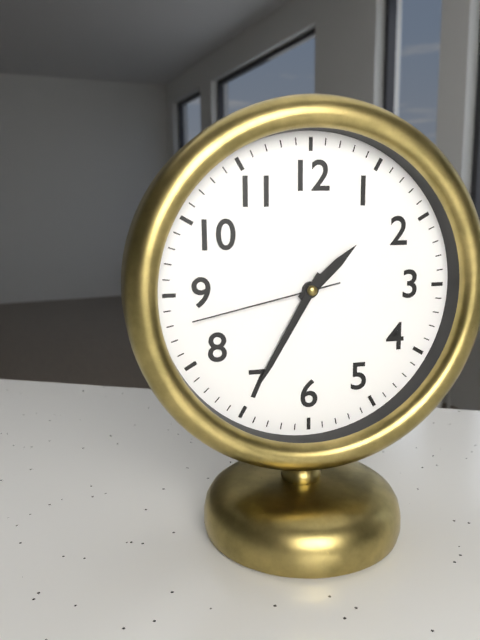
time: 1:35:43
